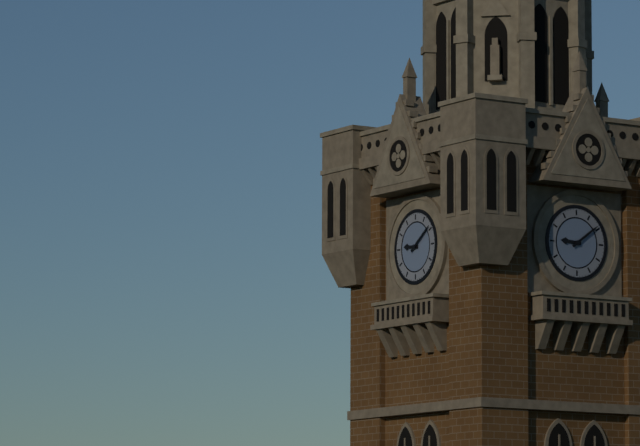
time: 9:09
